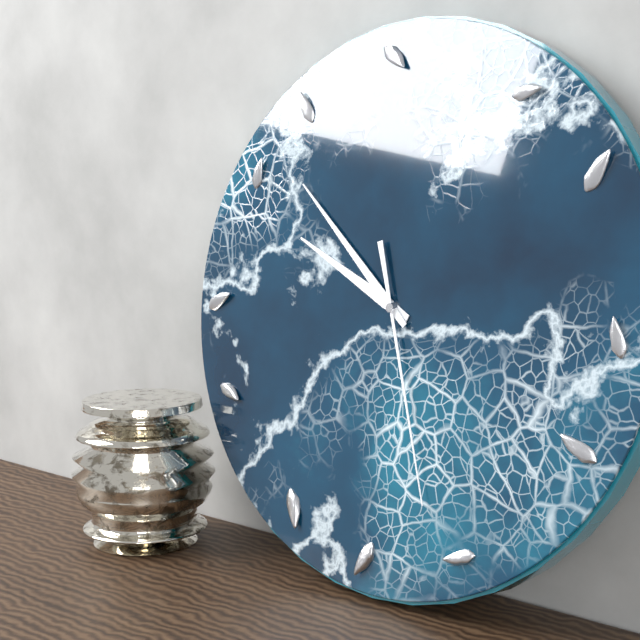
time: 9:52:27
